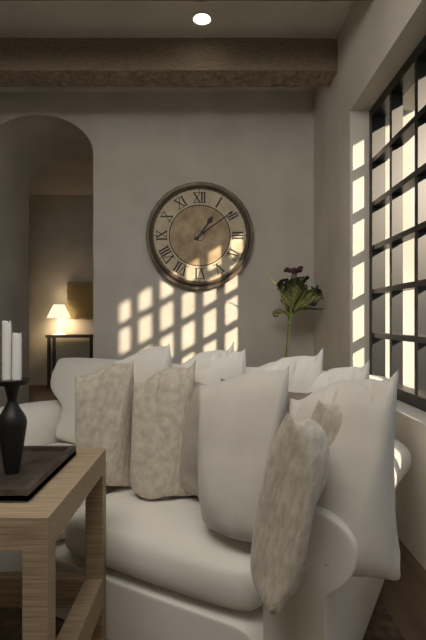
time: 1:09
